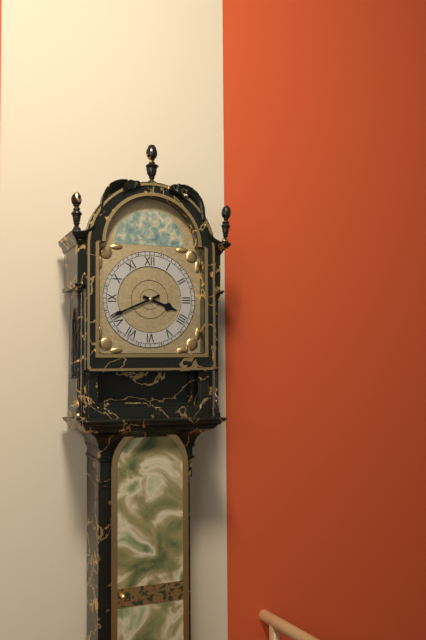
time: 3:41
